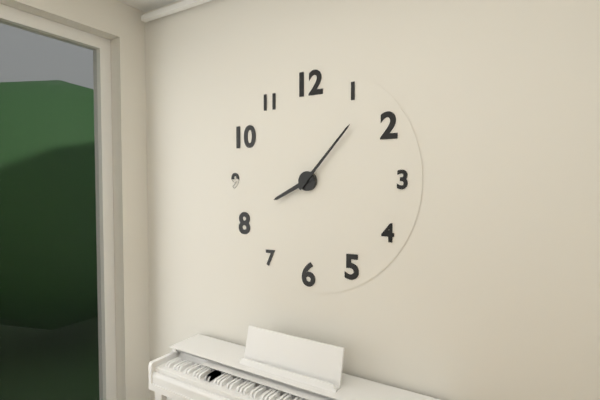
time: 8:07
